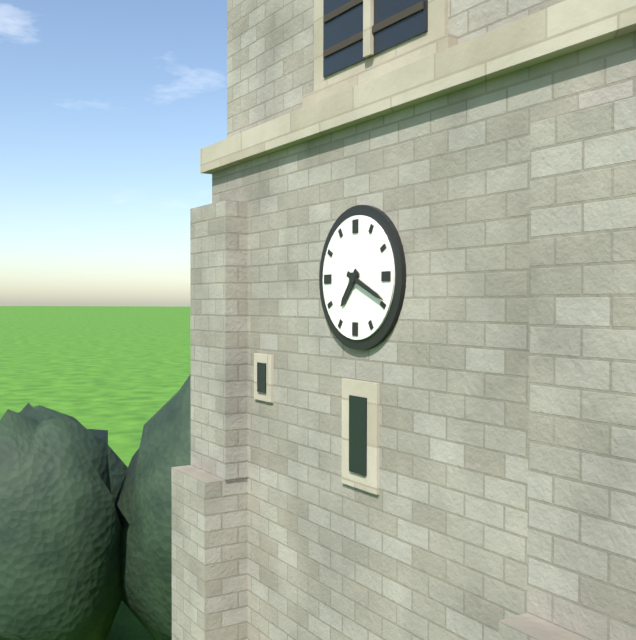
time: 7:19
